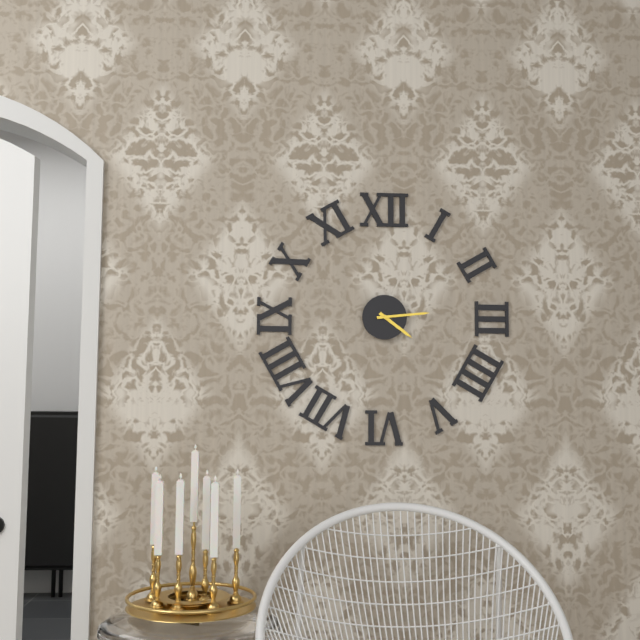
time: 4:14
